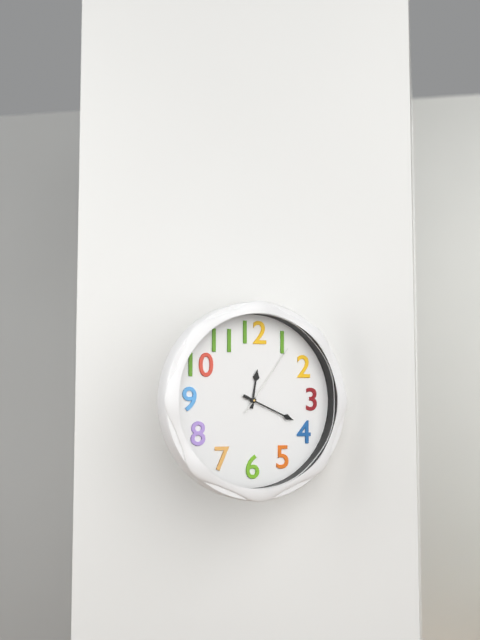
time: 12:19:06
